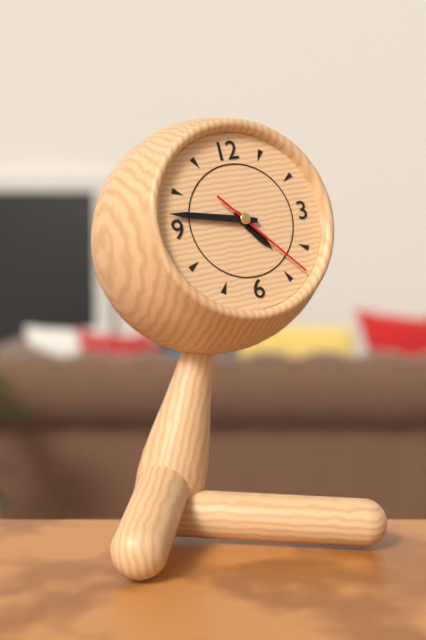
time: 4:47:23
